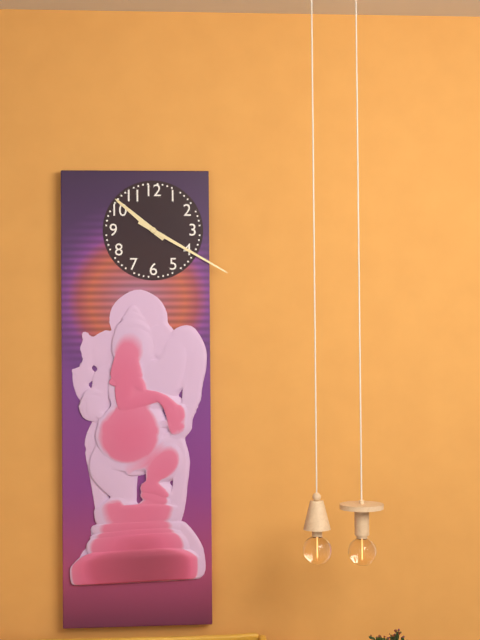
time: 10:20
